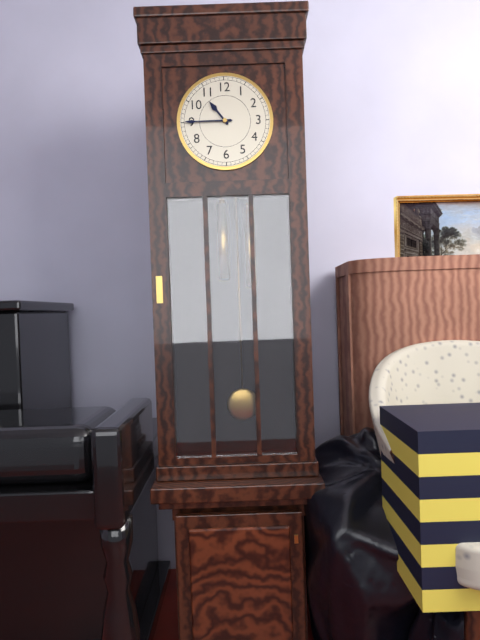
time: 10:45
